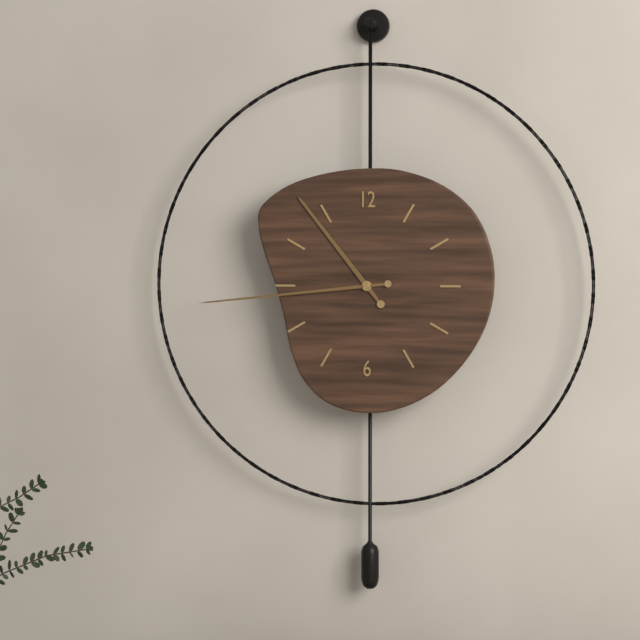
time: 10:44
